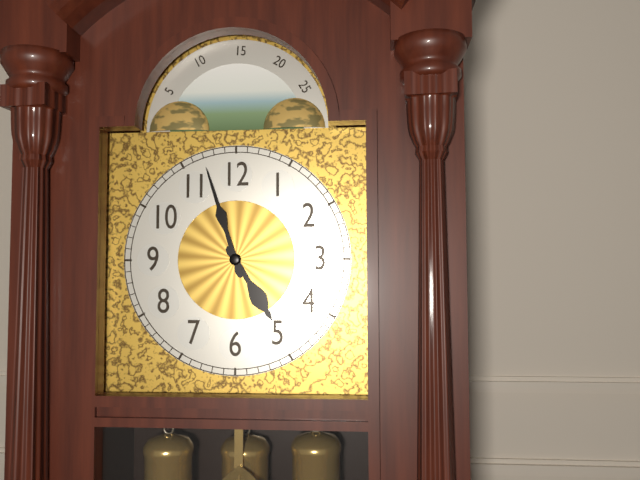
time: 4:57
